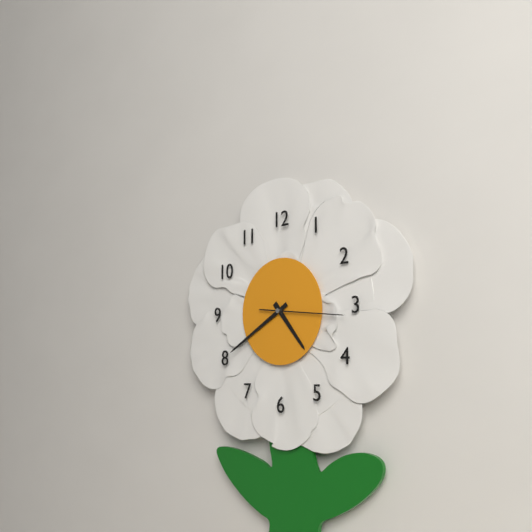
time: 4:40:16
